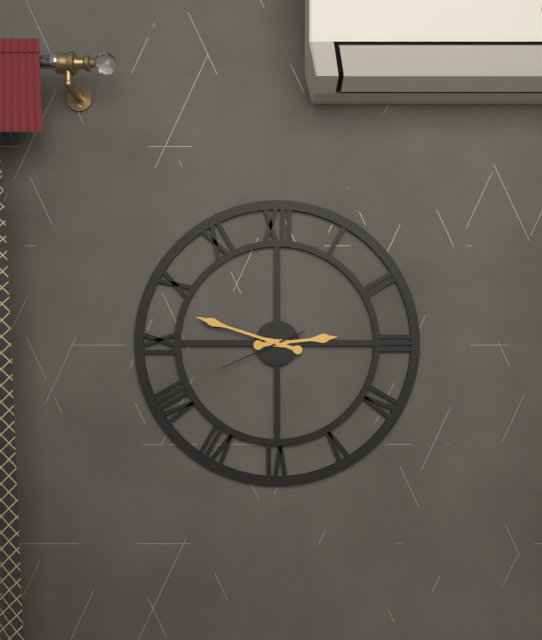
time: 2:48:41
